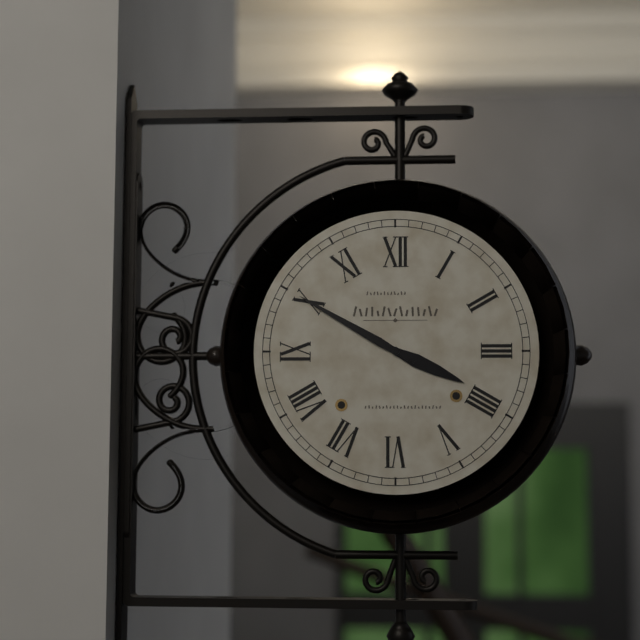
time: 3:50
